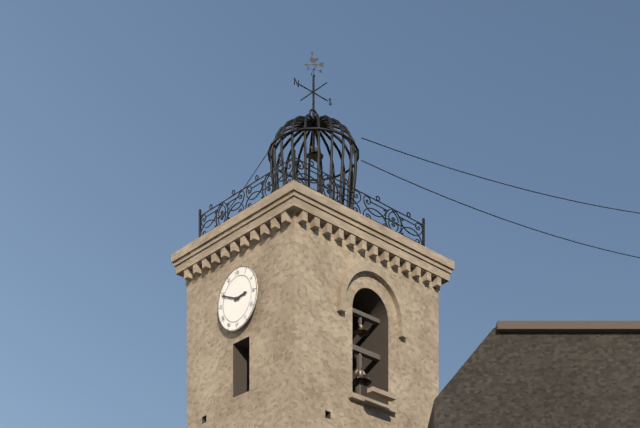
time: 2:49
